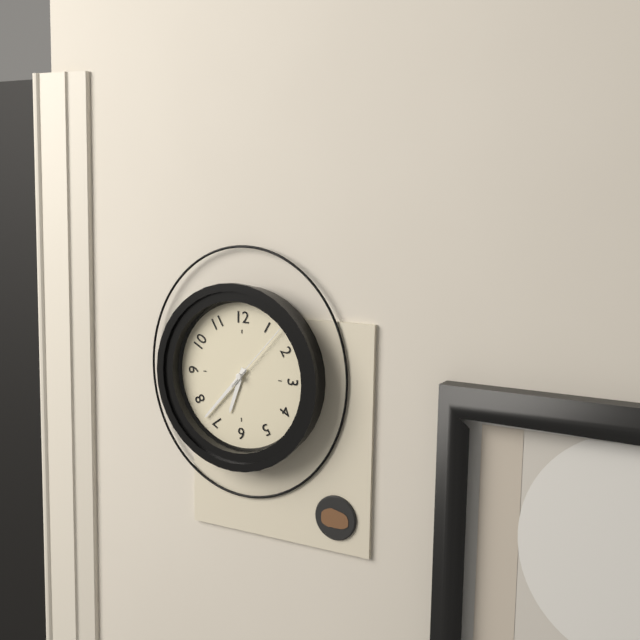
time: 6:37:07
